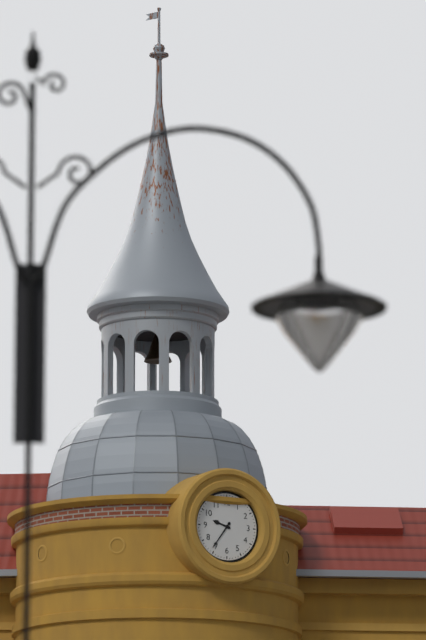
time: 9:36
